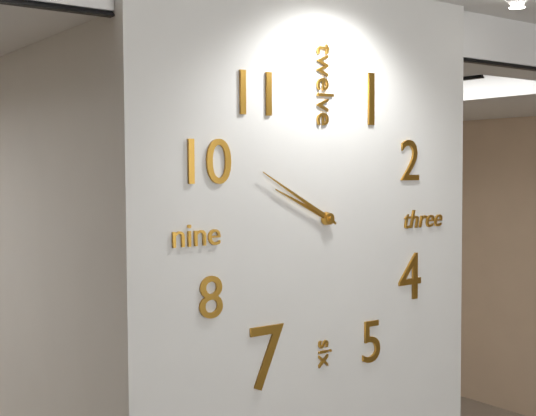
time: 9:50
